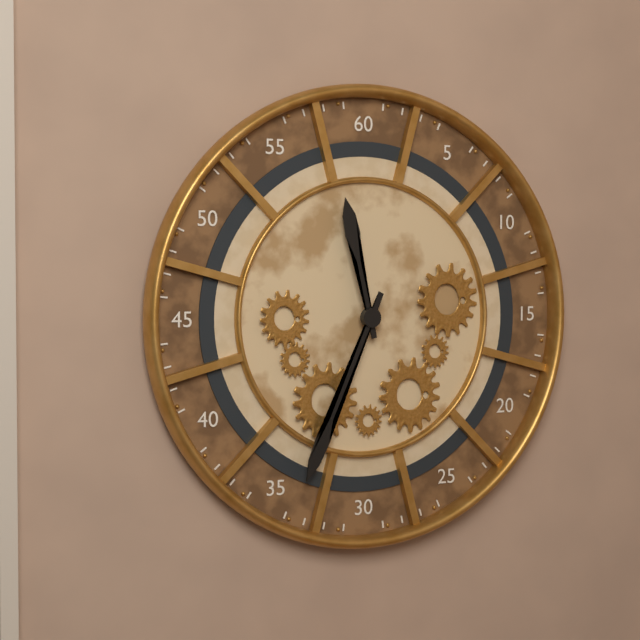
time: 11:34
